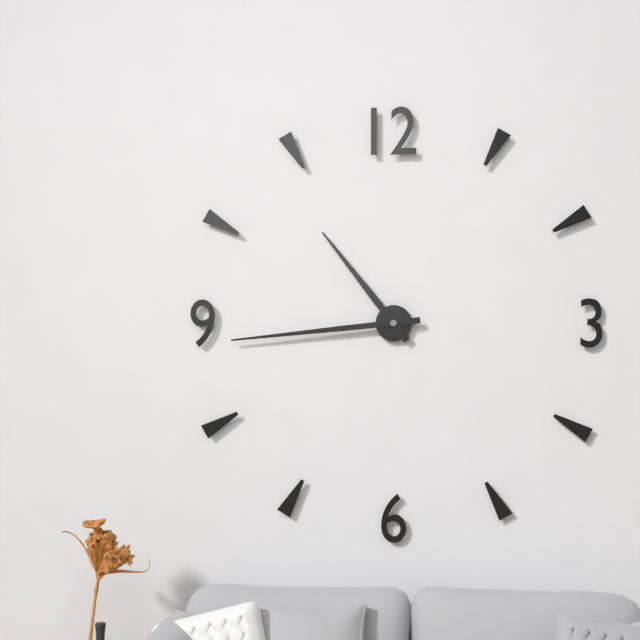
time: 10:44
